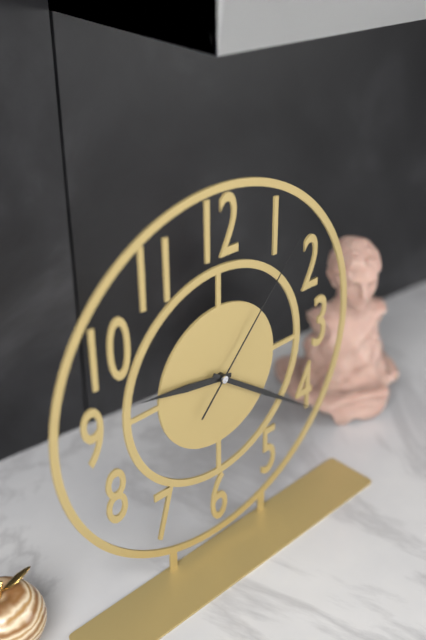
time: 9:21:07
